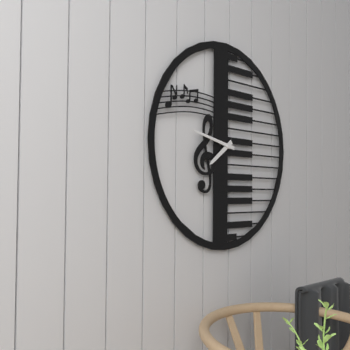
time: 7:47
